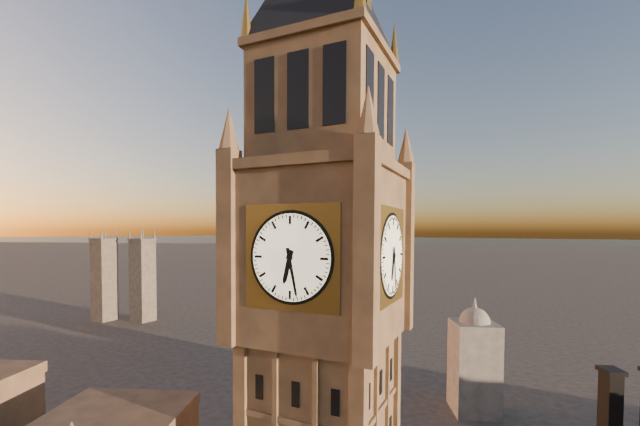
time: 6:28
